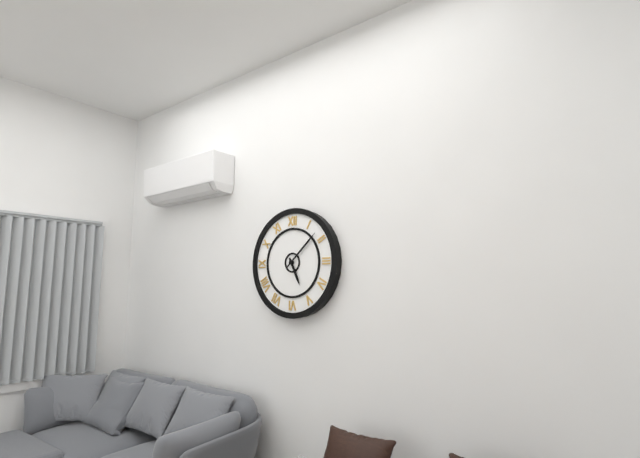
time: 5:08
